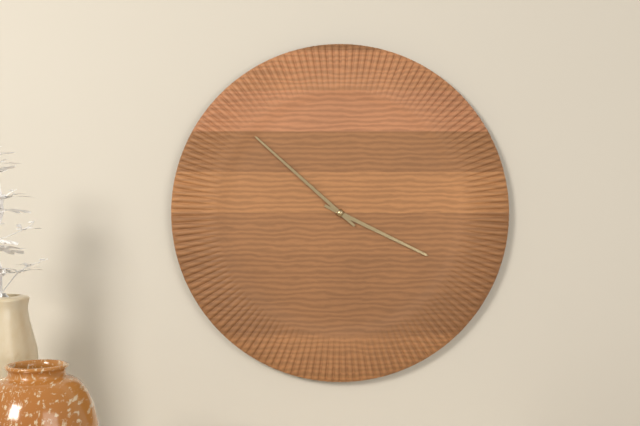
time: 3:52
